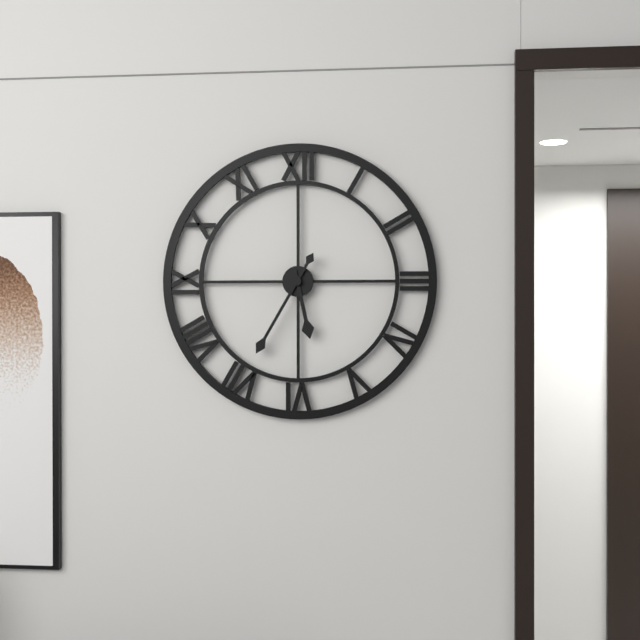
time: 5:35
